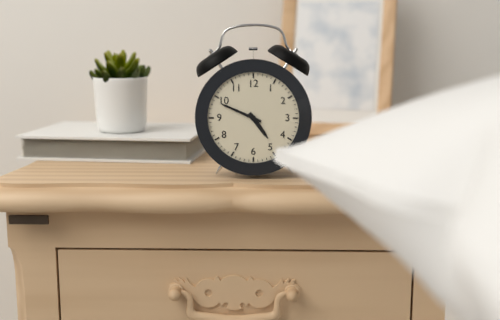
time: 4:49
